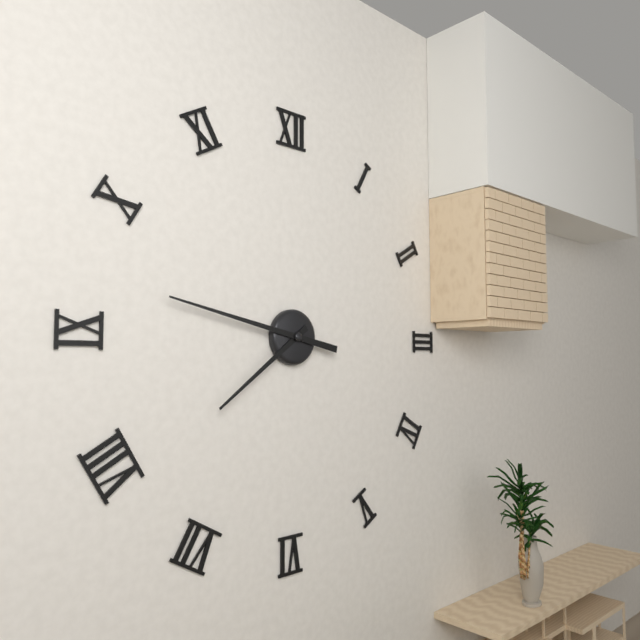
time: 7:47
